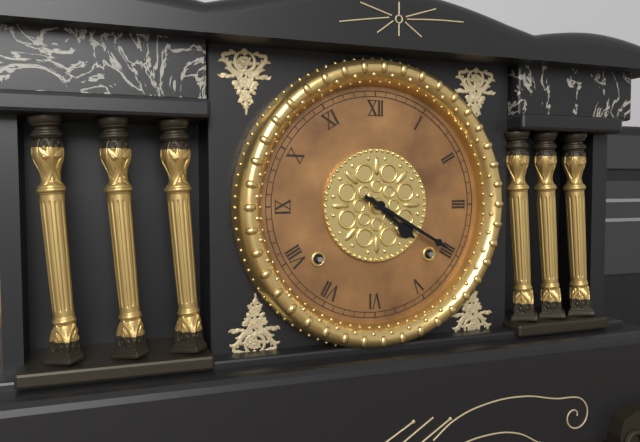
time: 4:20
